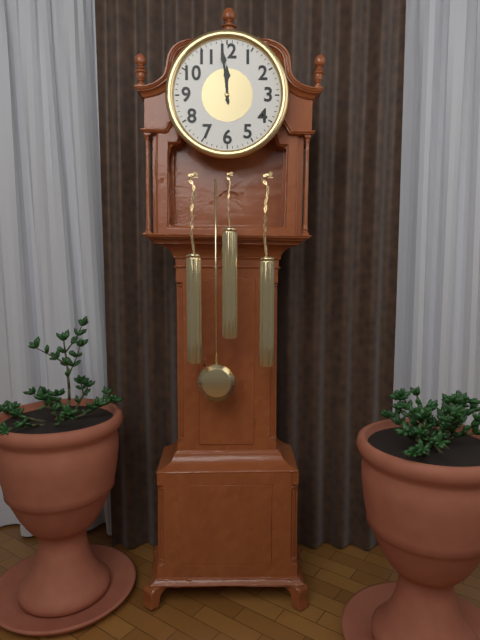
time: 11:59
